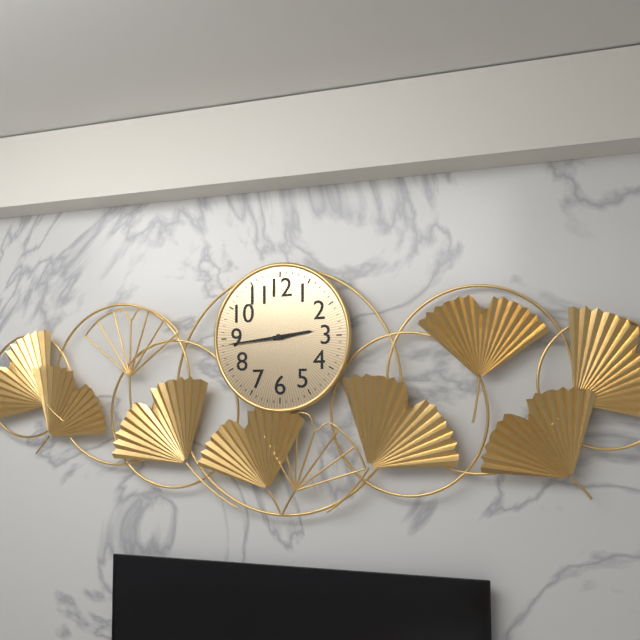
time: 2:44
